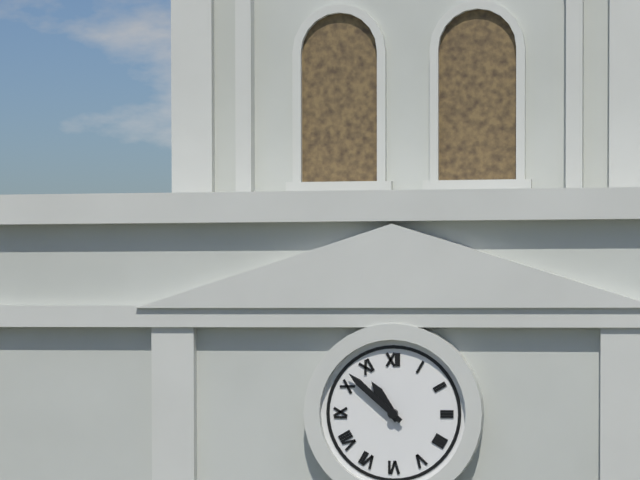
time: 10:52
